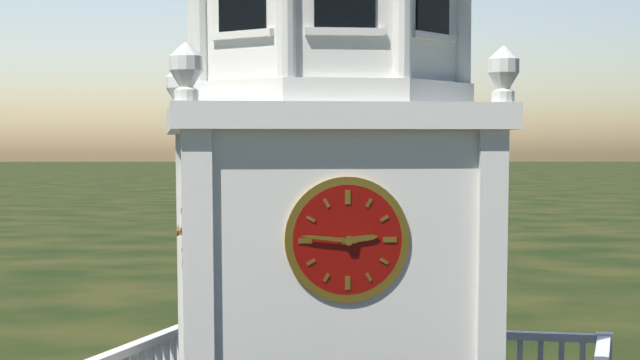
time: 2:46
